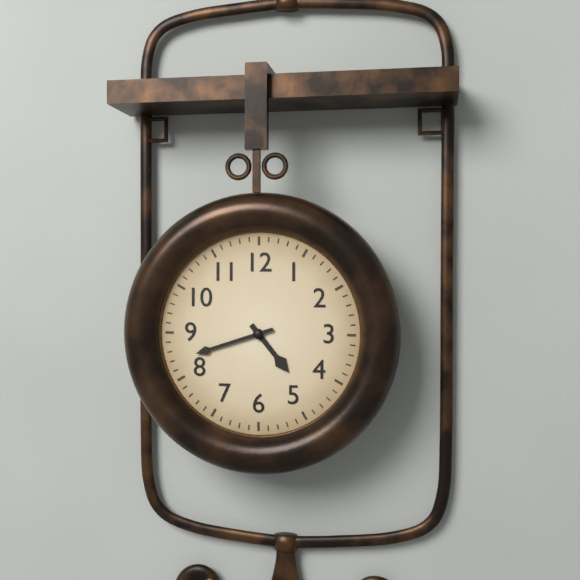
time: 4:42
